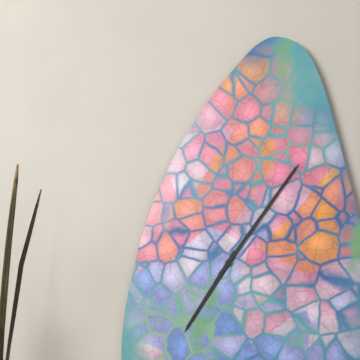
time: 7:06
